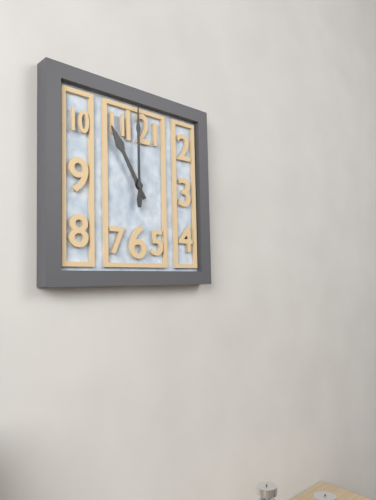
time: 11:00
